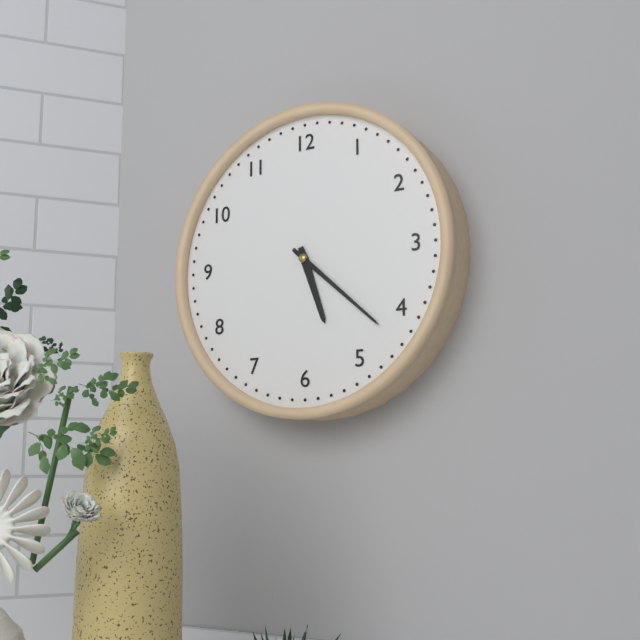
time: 5:22
